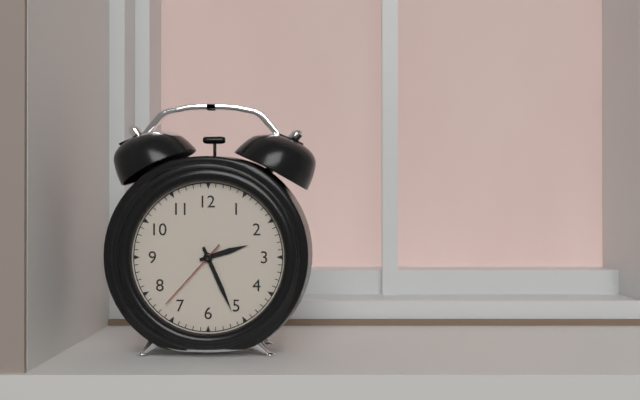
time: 2:26:37
